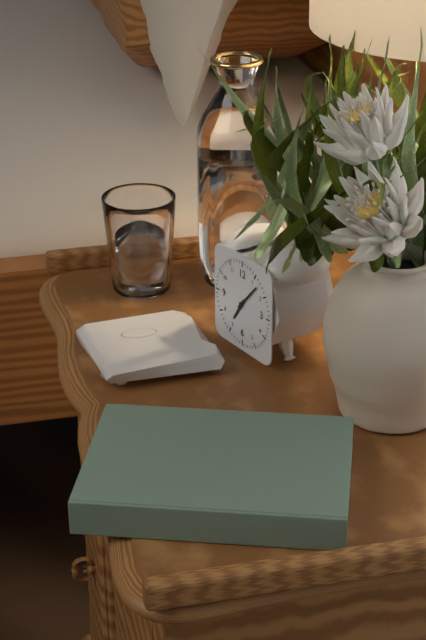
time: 7:07
